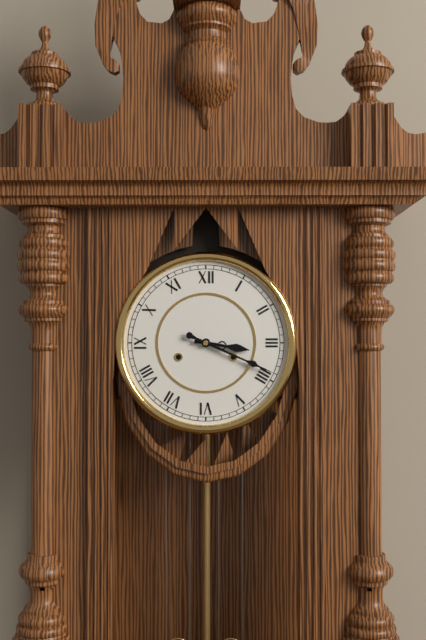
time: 3:19
